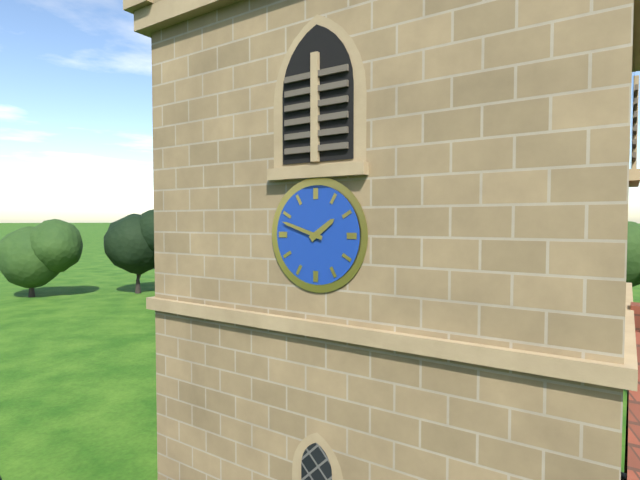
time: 1:48
